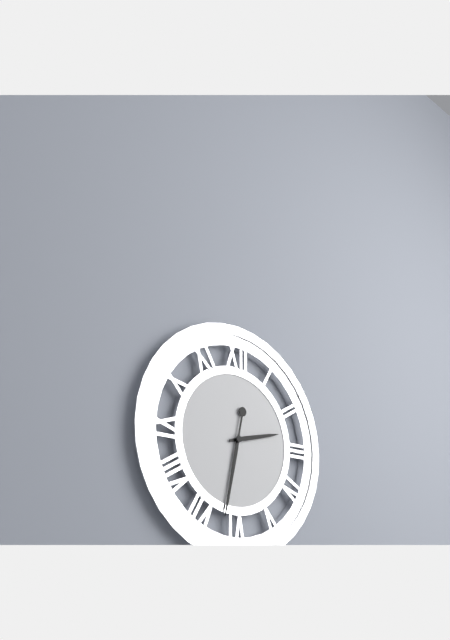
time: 2:32
